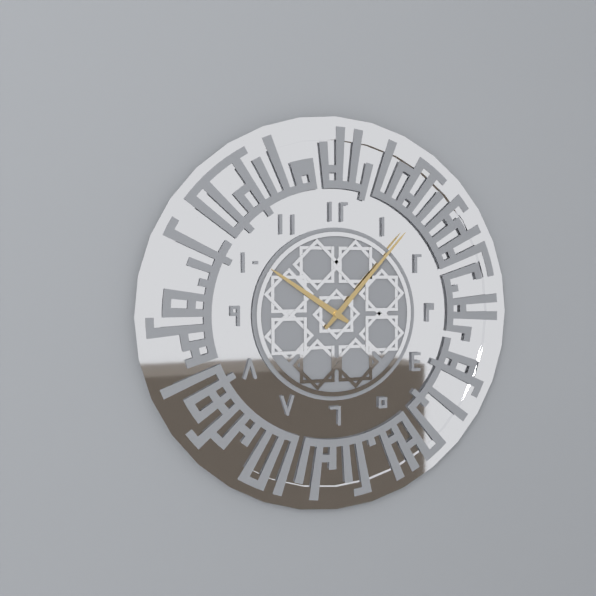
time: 10:07
